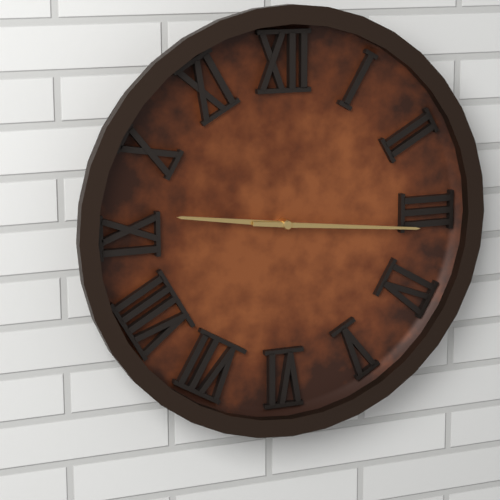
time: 9:16
